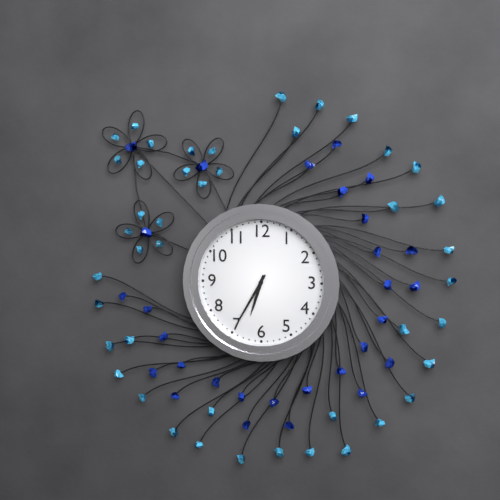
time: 6:35
